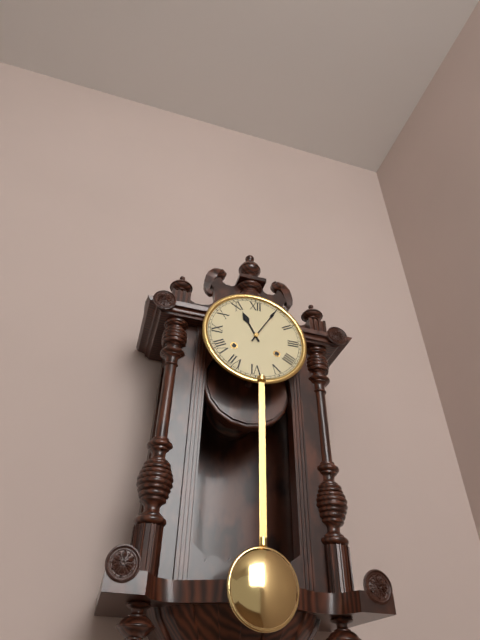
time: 11:05
